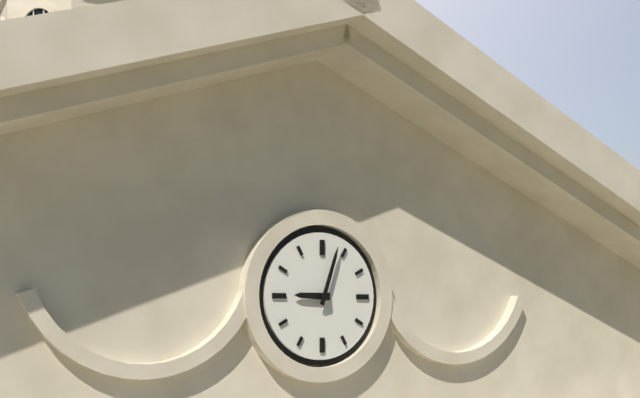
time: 9:03
